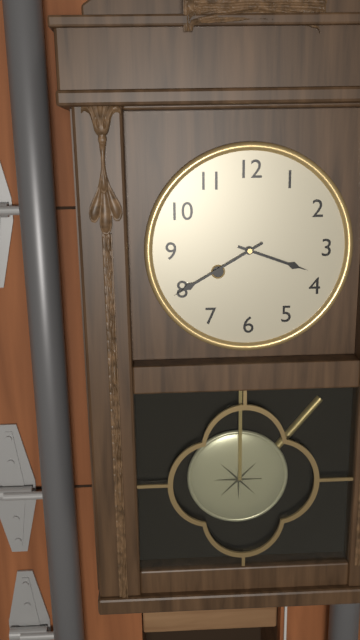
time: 3:40
